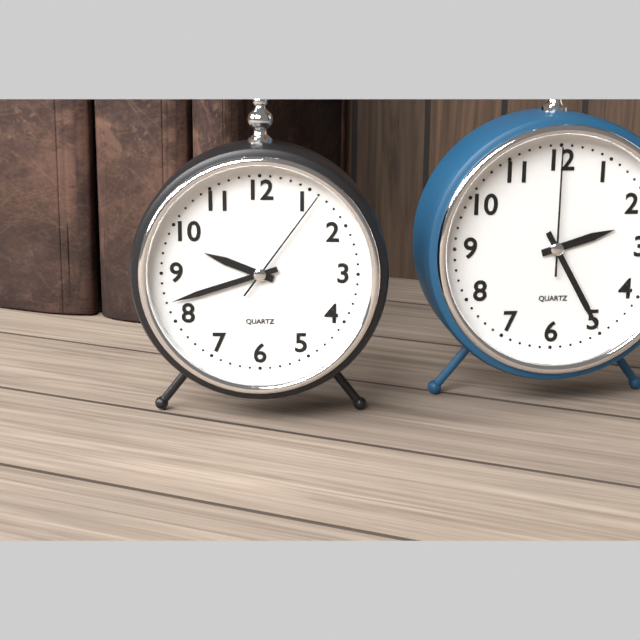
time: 9:42:06
